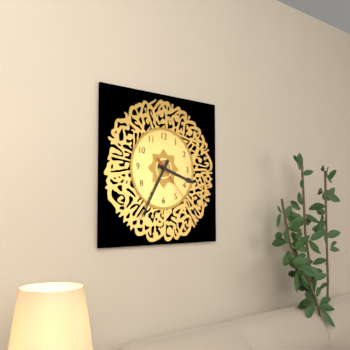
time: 3:35:23
